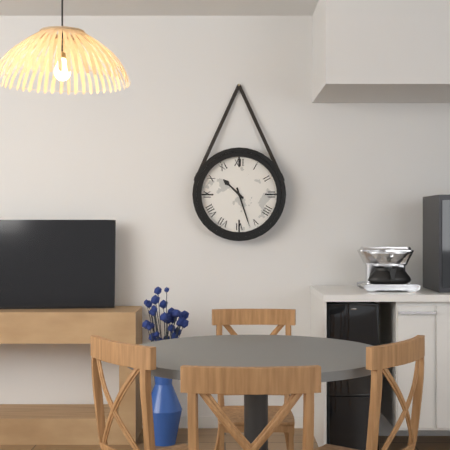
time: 10:27
